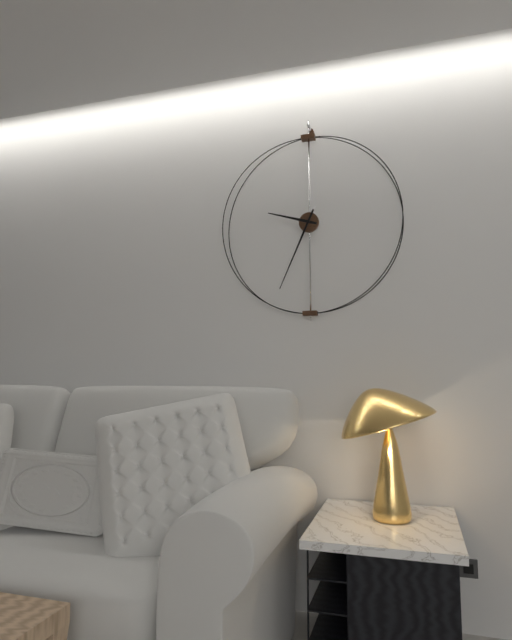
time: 9:34
